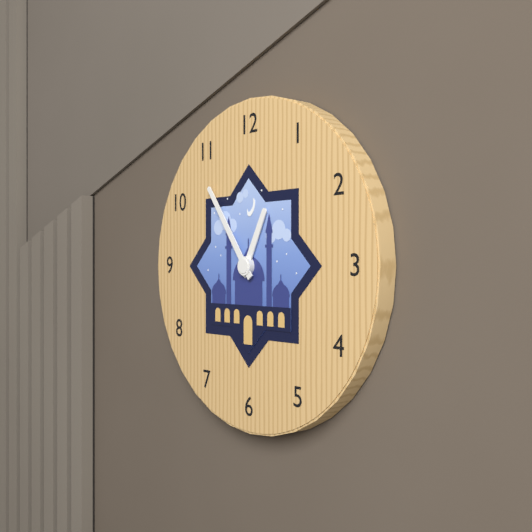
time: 12:54
